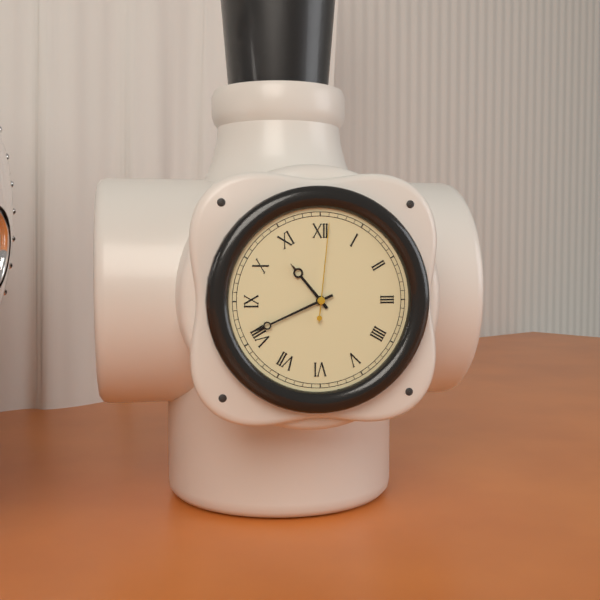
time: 10:41:01
